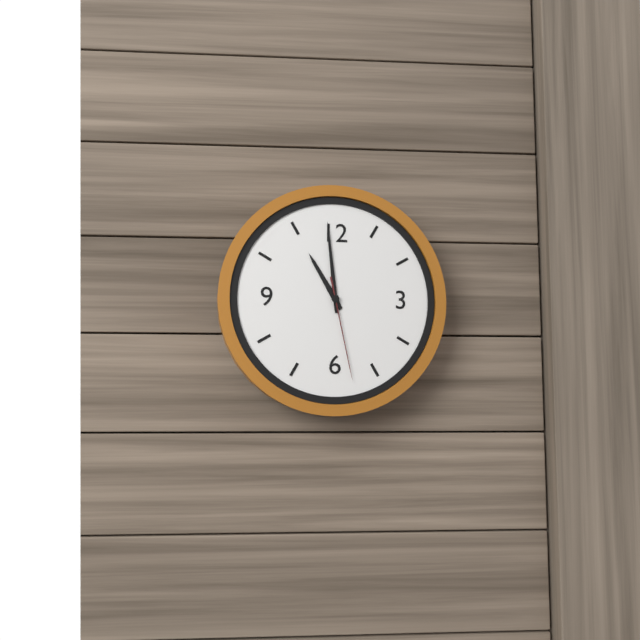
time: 10:59:28
